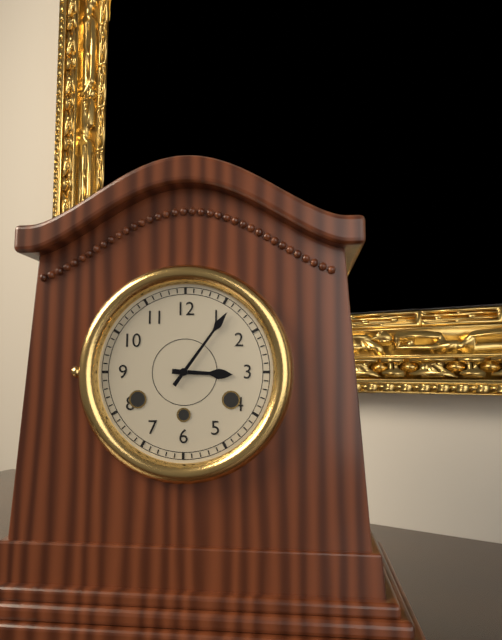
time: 3:06
